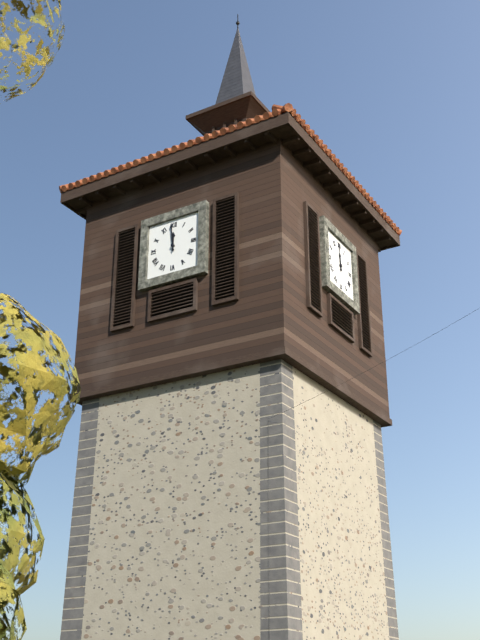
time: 11:59
